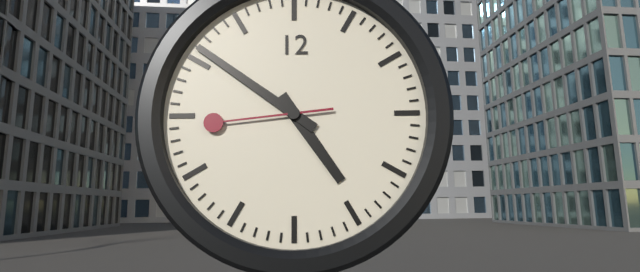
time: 4:51:44
